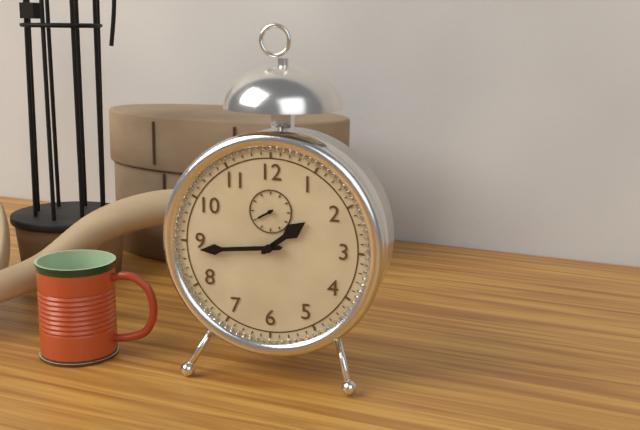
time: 1:44
